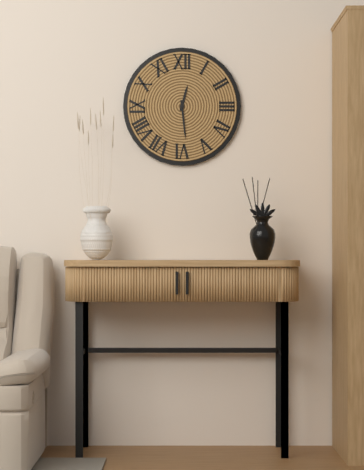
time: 12:29
